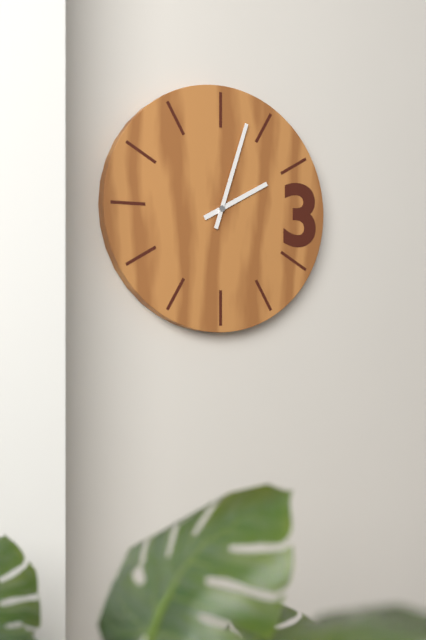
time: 2:03
